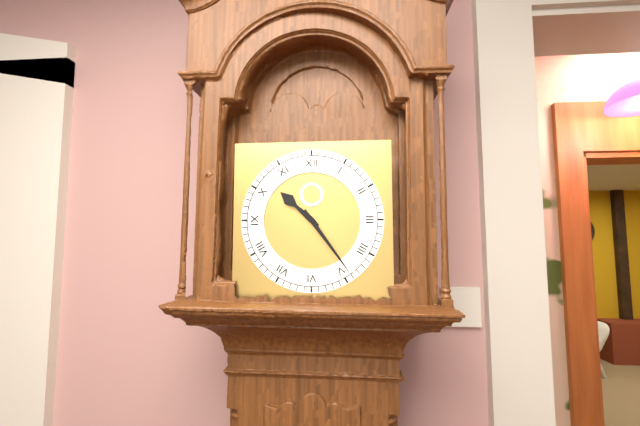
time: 10:24
